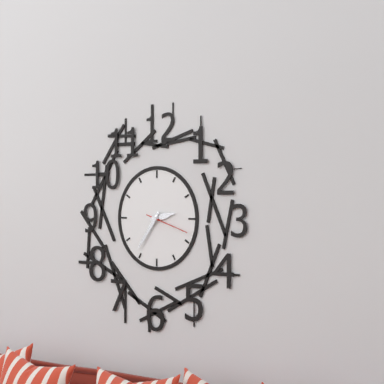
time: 2:36
